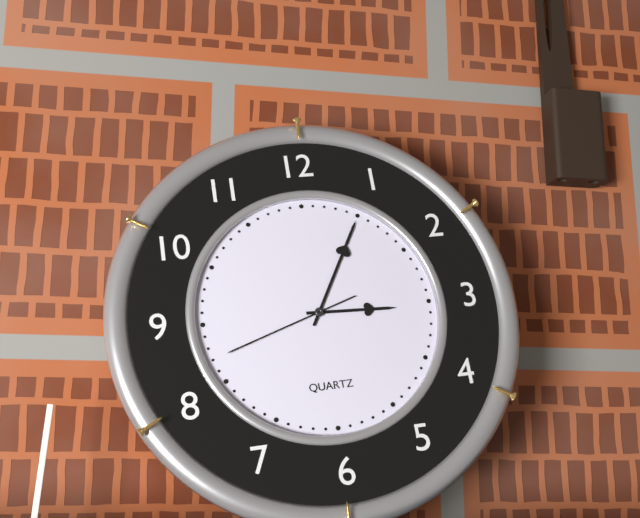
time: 3:05:42
